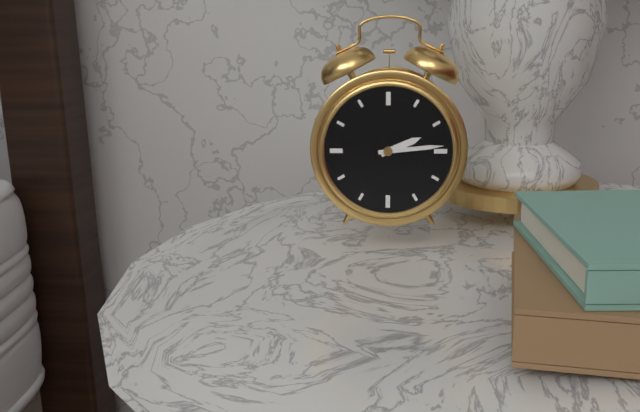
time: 2:14
